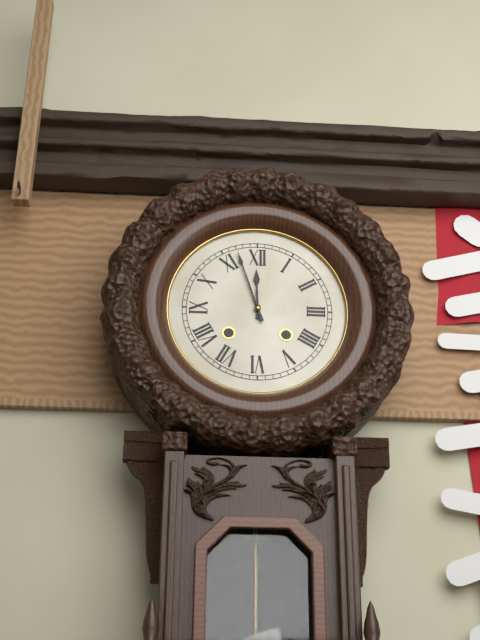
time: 11:57
